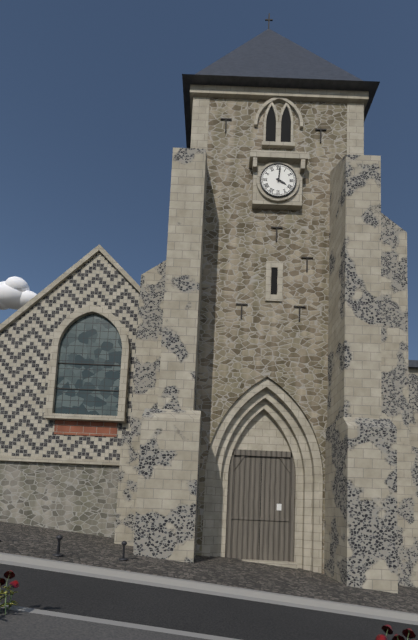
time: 4:01
